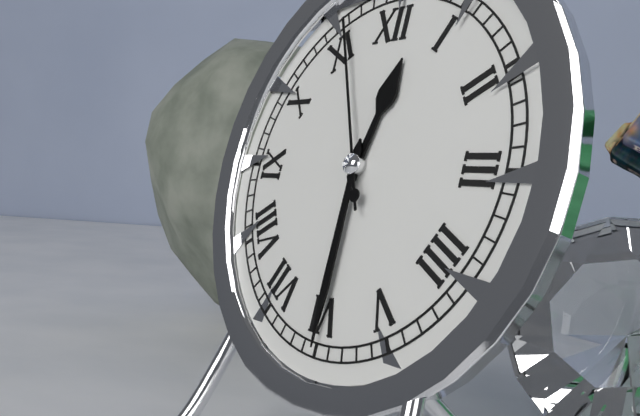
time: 12:30:56
